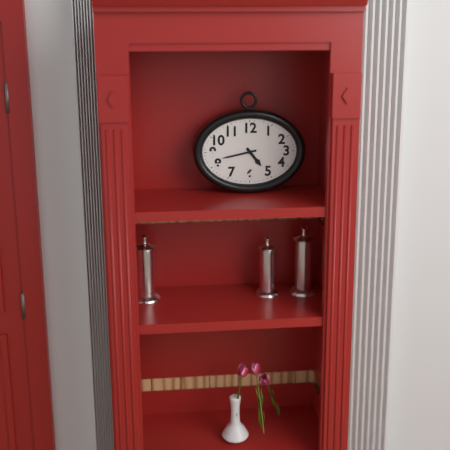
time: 4:43
